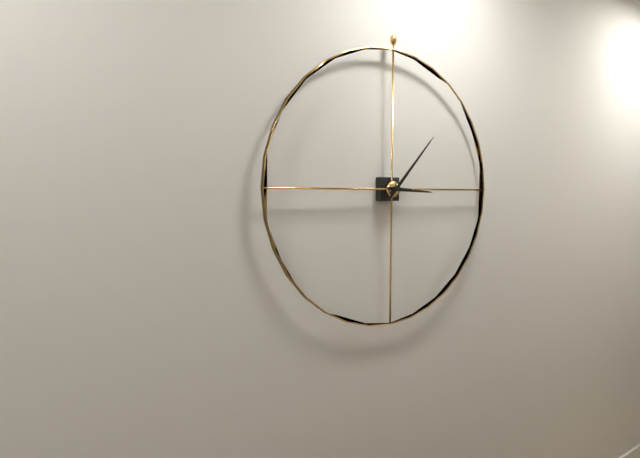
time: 3:07
